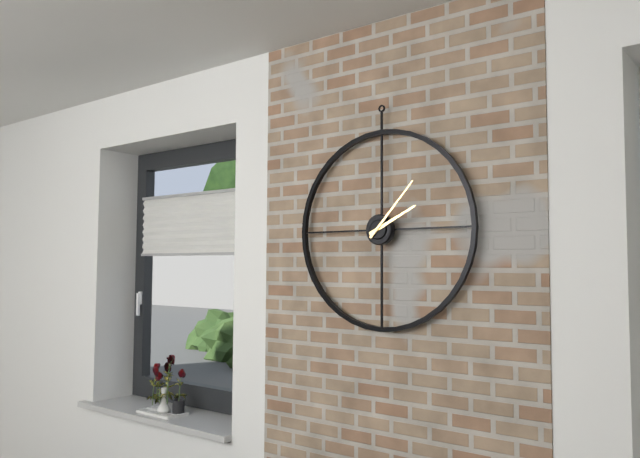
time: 2:07
